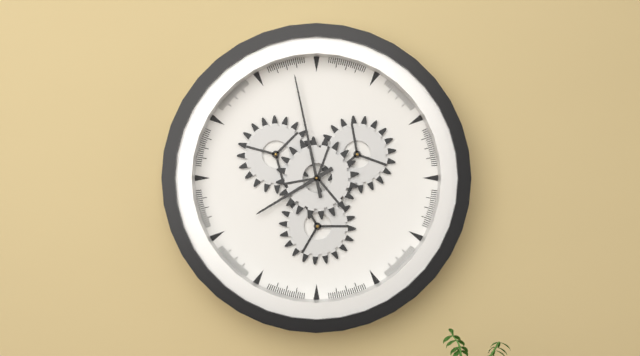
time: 7:58
